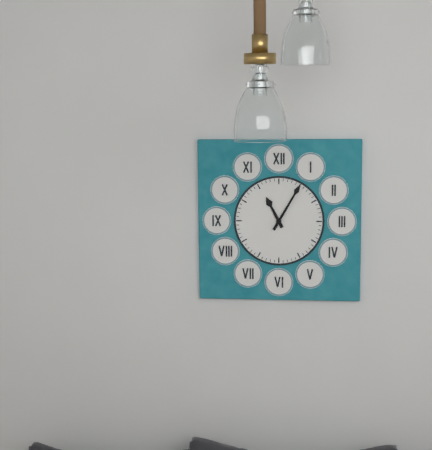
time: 11:05
